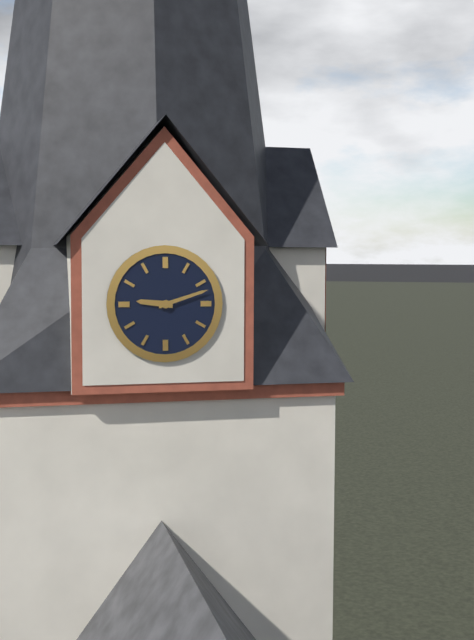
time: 9:12
